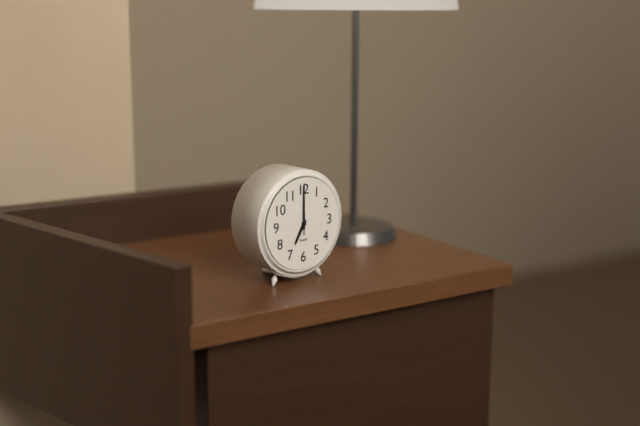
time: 7:00:00
